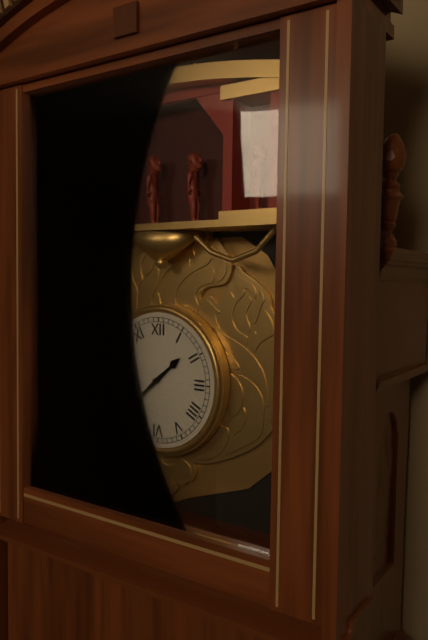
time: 1:38
